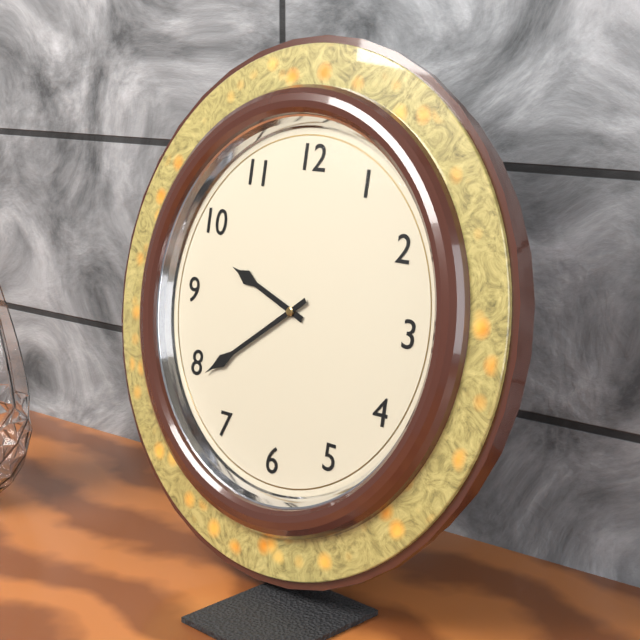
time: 9:39
